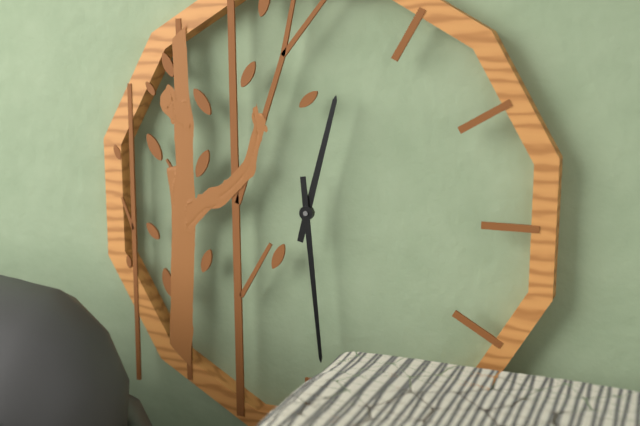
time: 12:29
